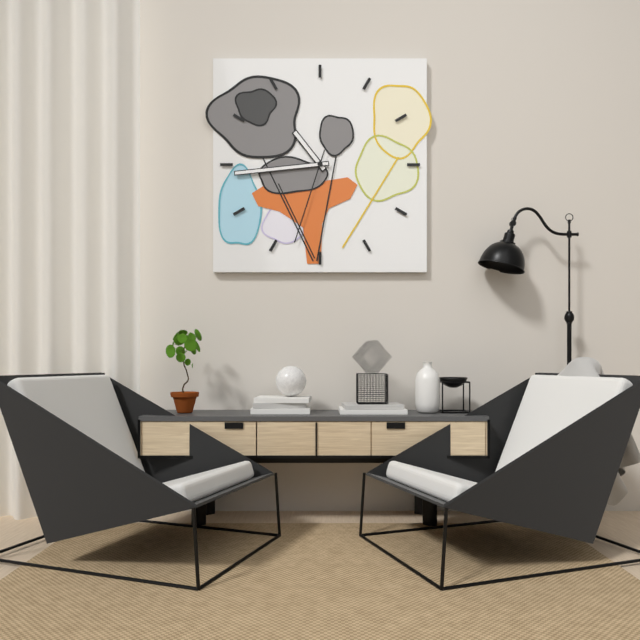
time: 10:44:33
